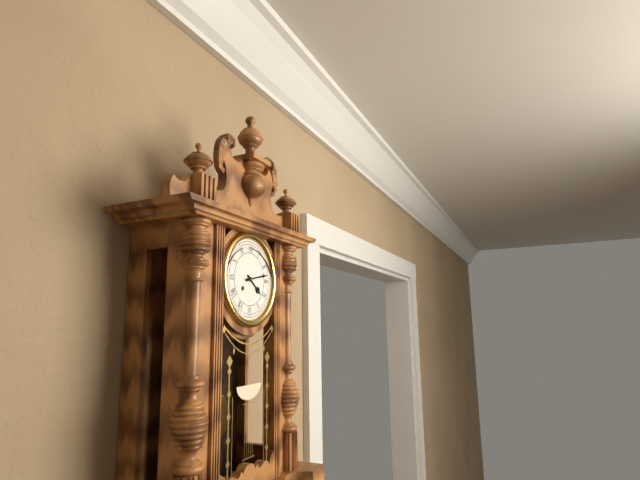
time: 4:13
